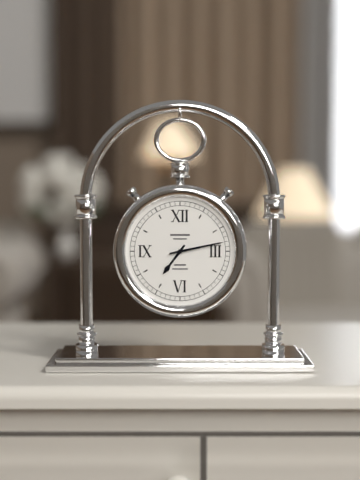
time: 7:13
